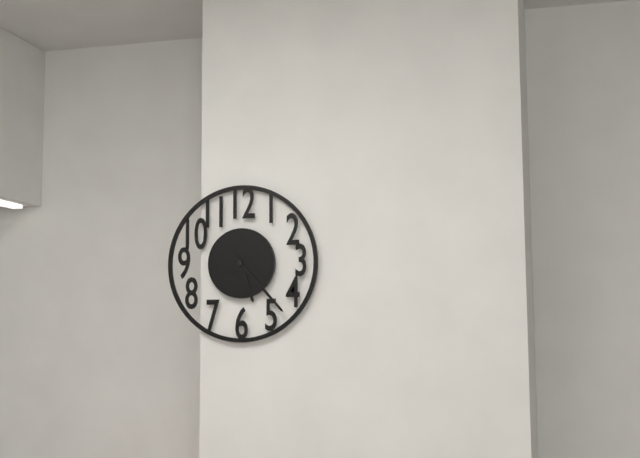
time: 5:23
